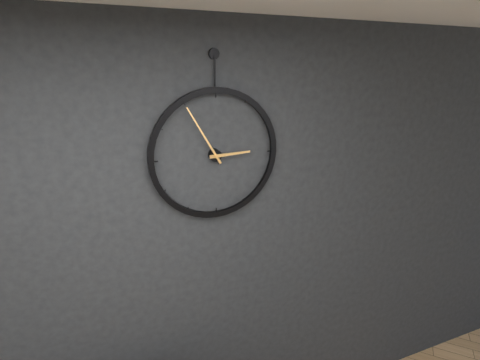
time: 2:55
